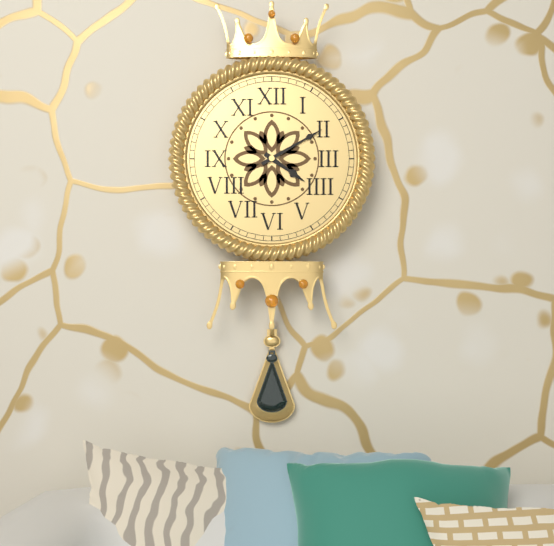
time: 4:10
